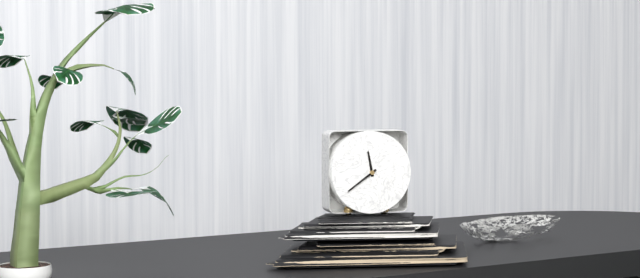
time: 11:39
